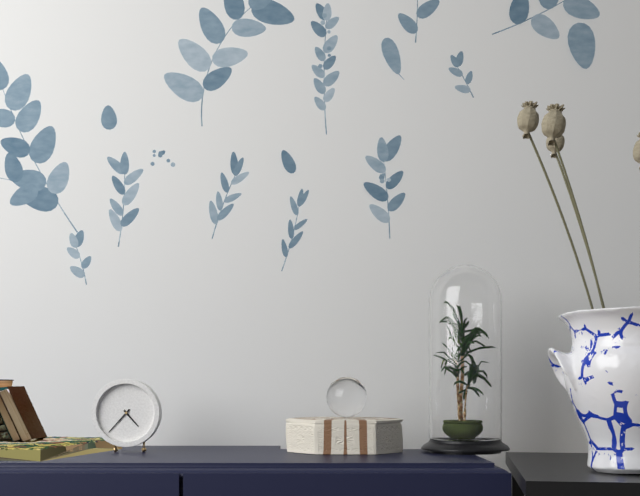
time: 4:37
